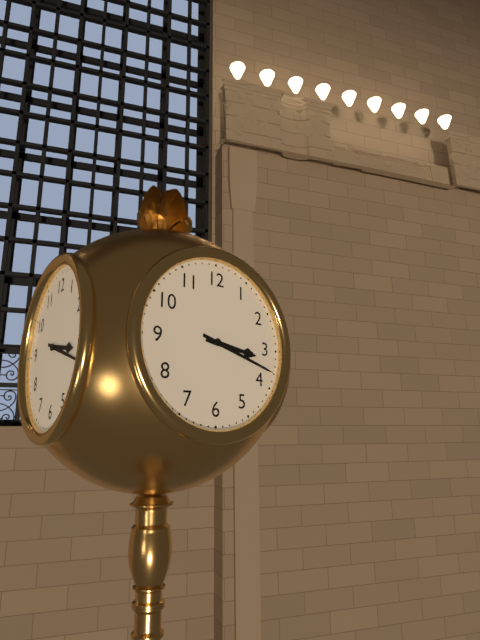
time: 3:18
